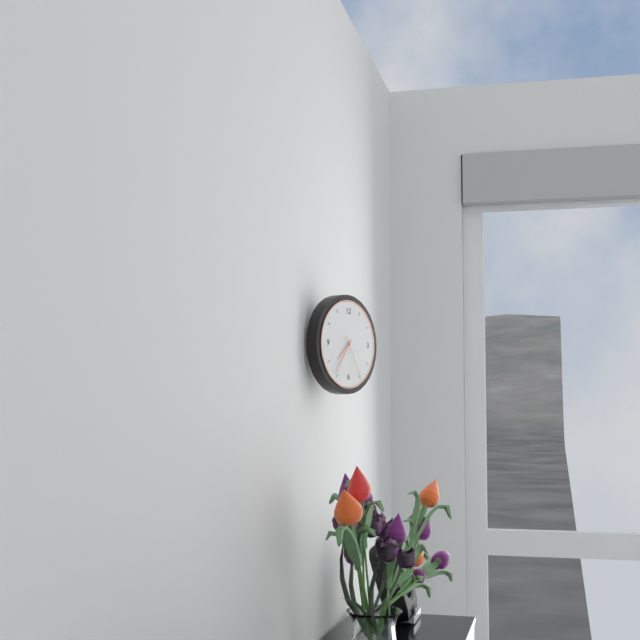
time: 7:36
